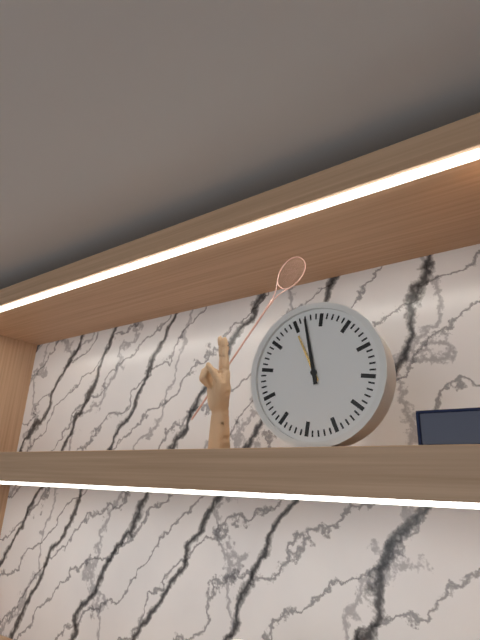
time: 10:57
